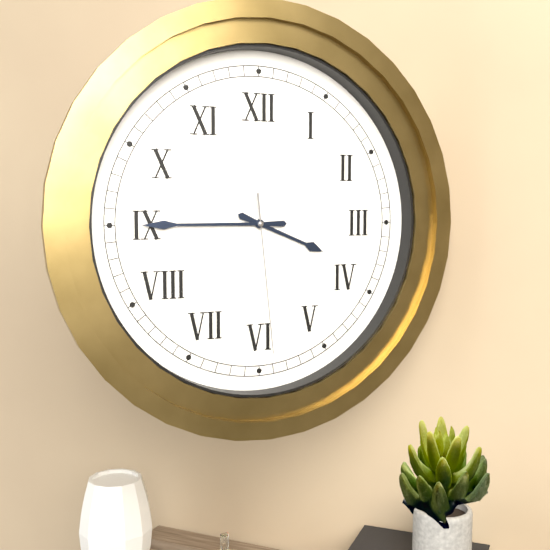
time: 3:45:29
